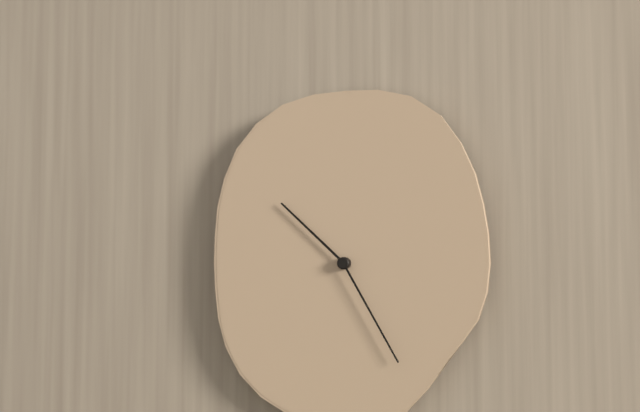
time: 10:25
